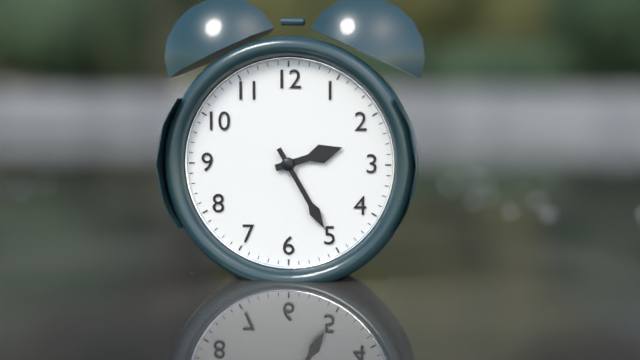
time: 2:25
